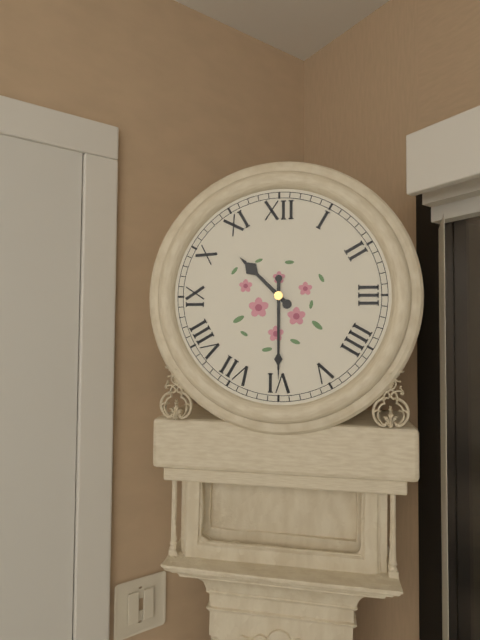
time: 10:30
